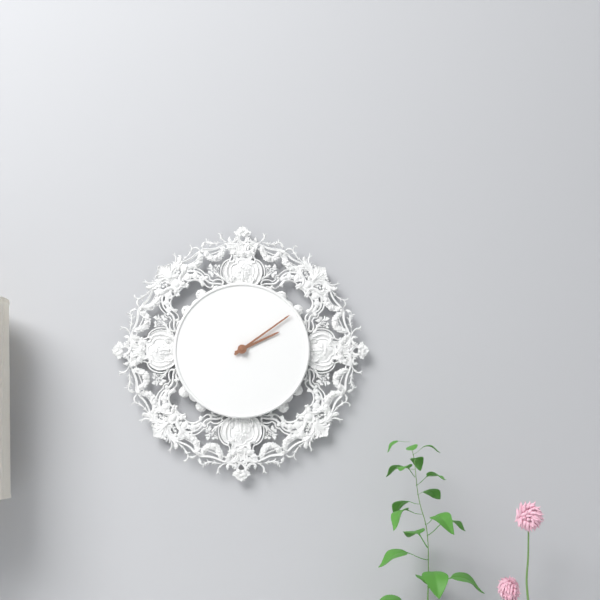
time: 2:09
